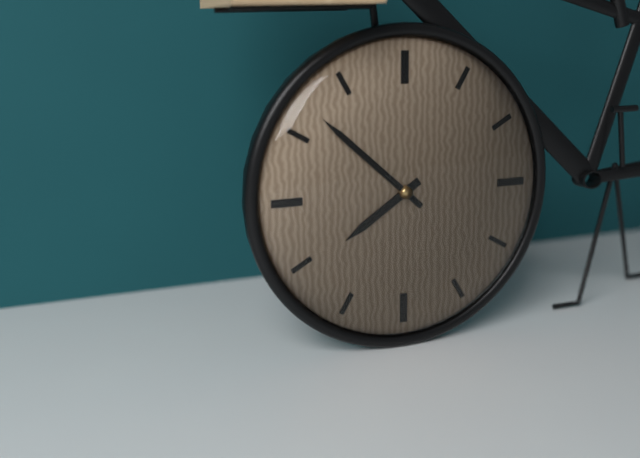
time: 7:52
